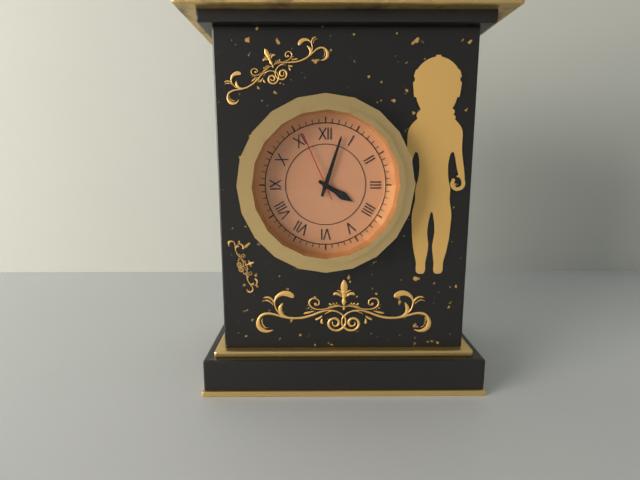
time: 4:03:56
